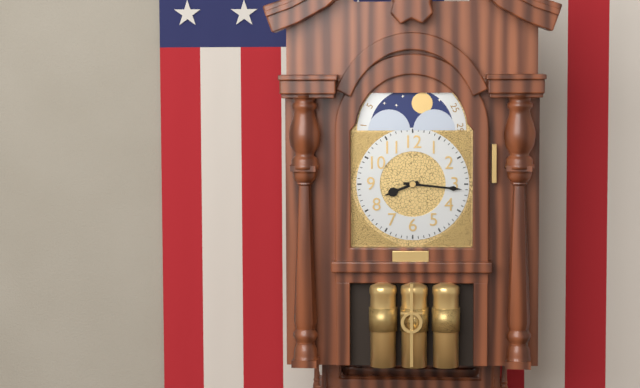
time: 8:16
